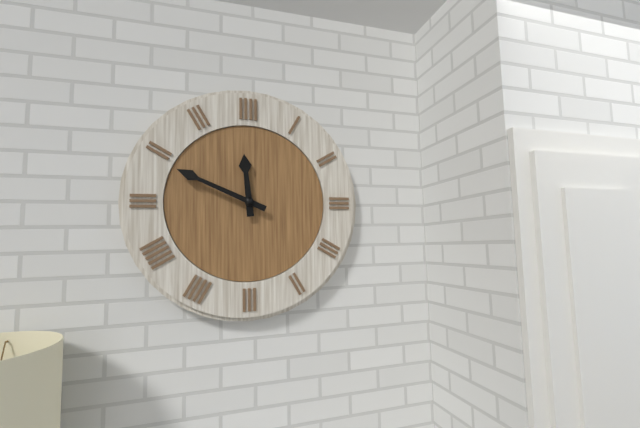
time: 11:49
